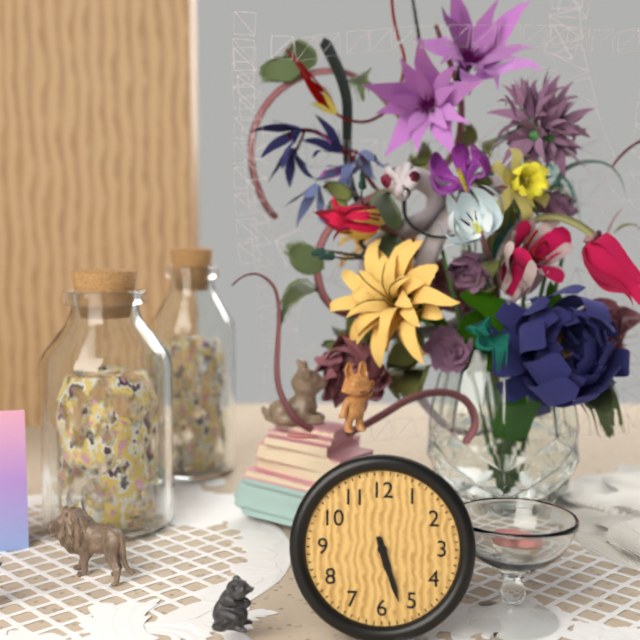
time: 5:27
